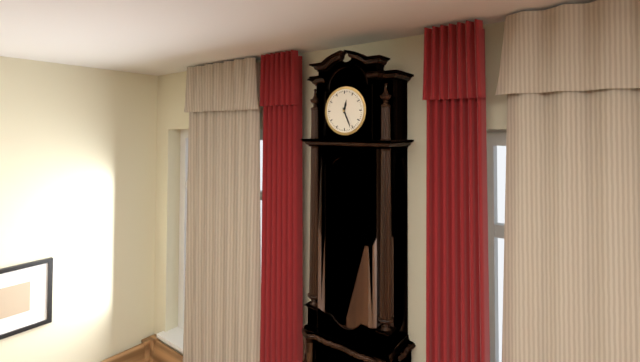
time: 12:26
